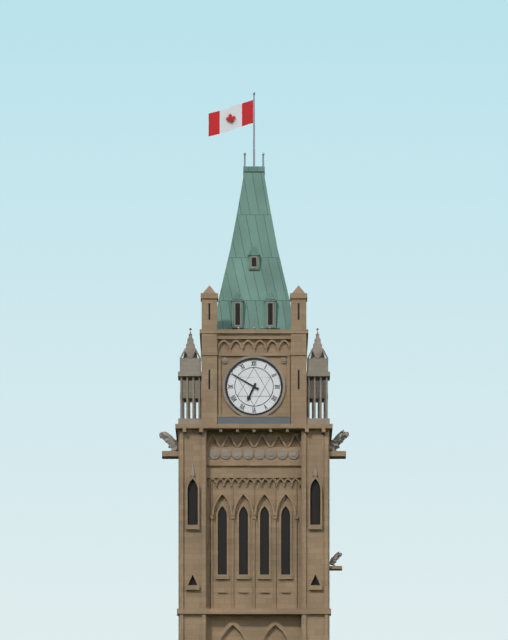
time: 6:50
